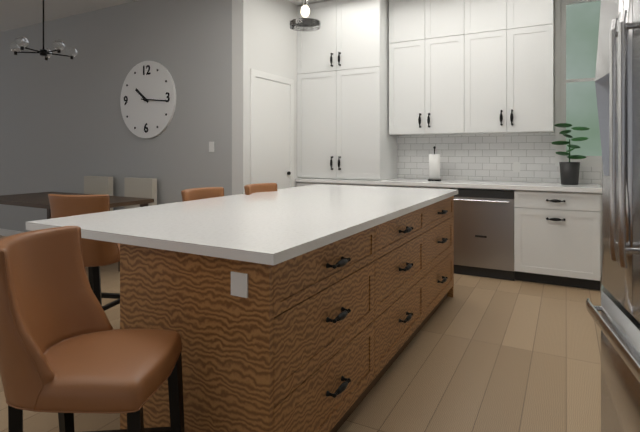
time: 10:16
